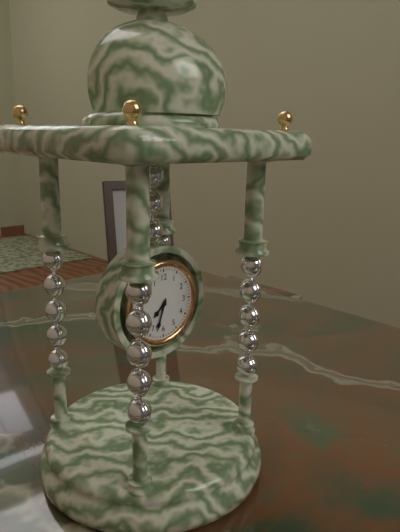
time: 7:33
